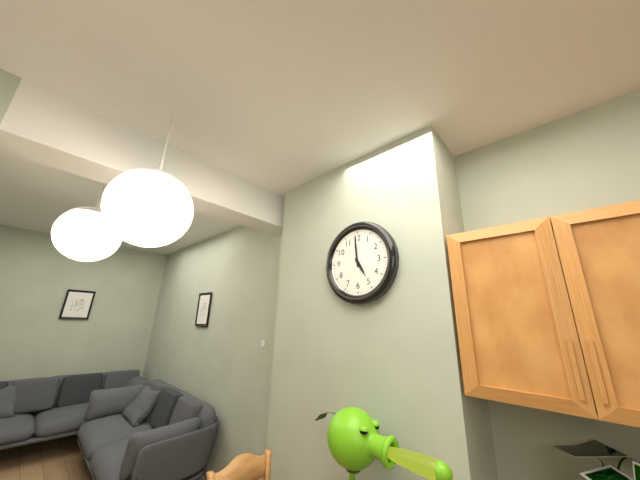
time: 4:59
